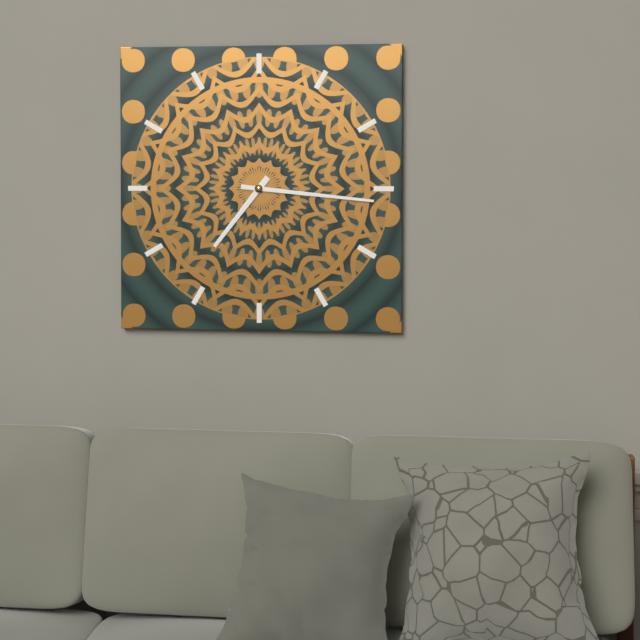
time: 7:16
